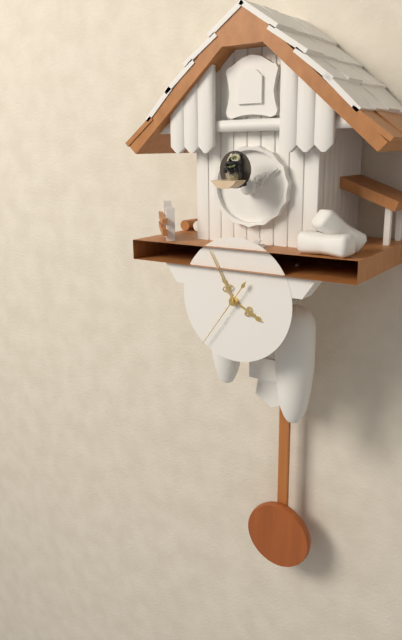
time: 3:55:36
